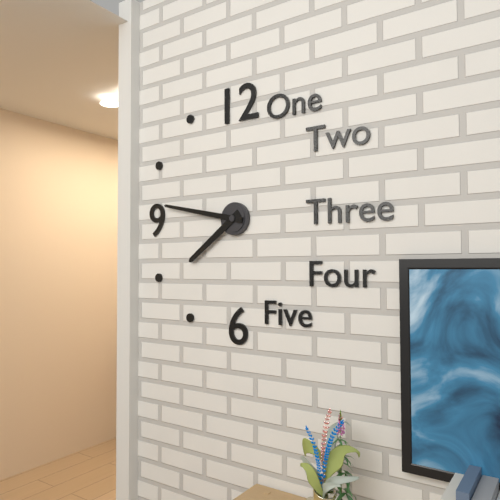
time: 7:47
